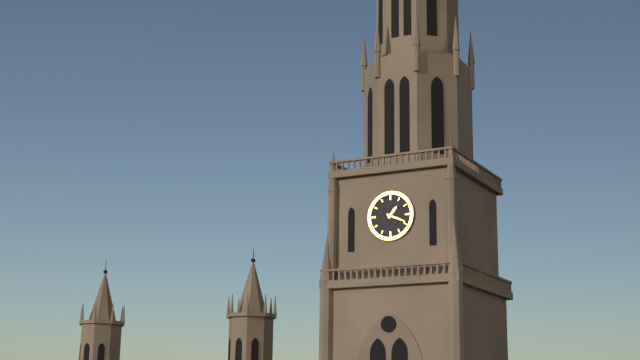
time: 1:19
